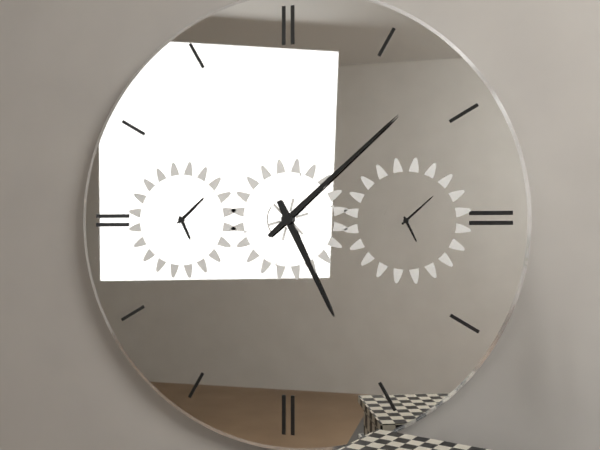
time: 5:08
